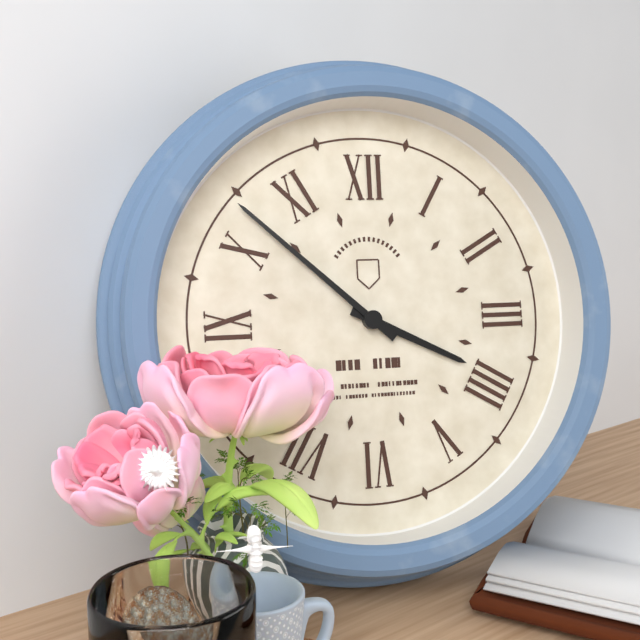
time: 3:52
